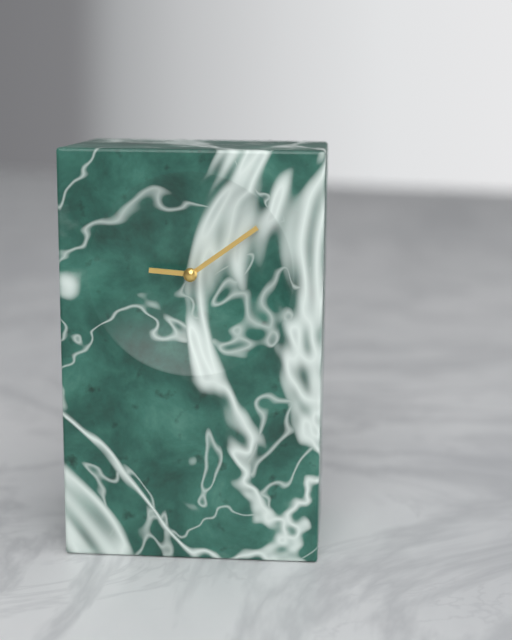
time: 9:09
